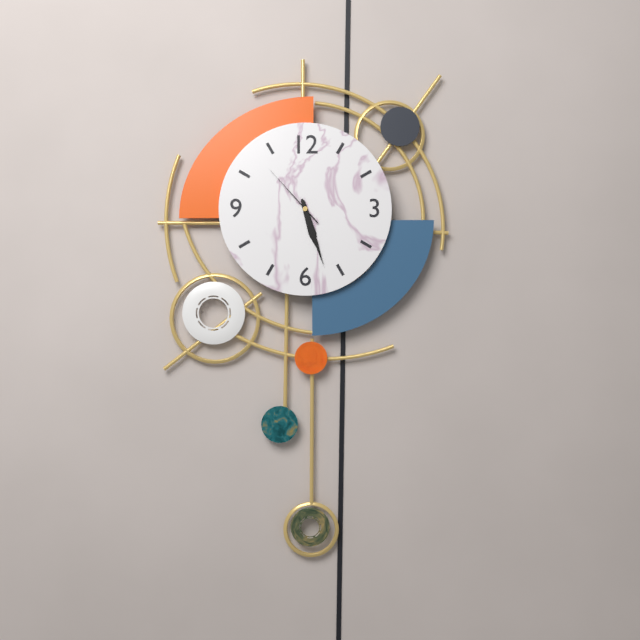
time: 5:27:53
